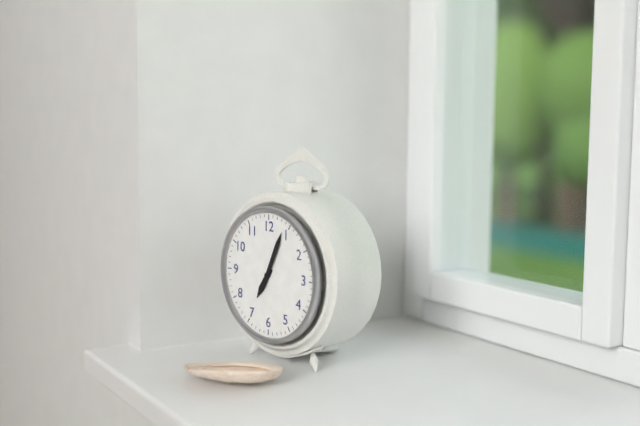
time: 7:04
